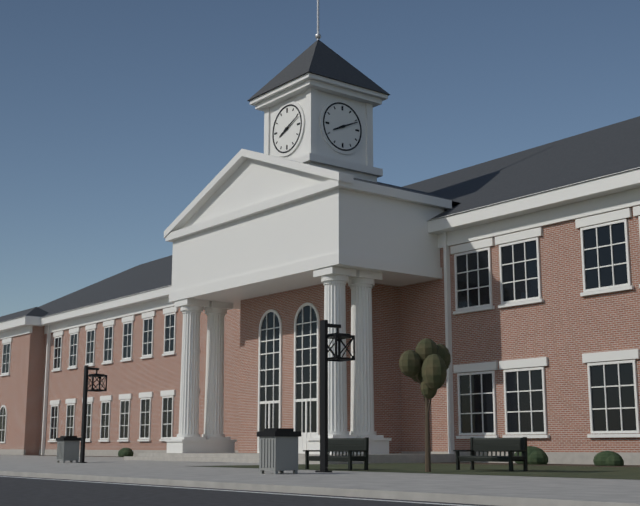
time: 8:11
